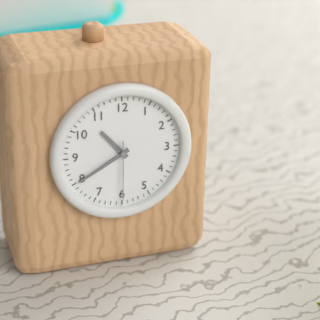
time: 10:40:30
